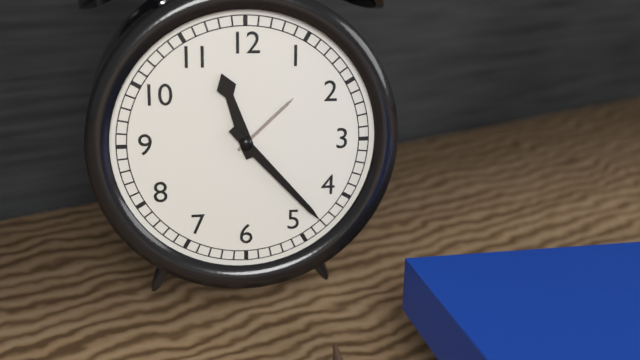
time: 11:23
